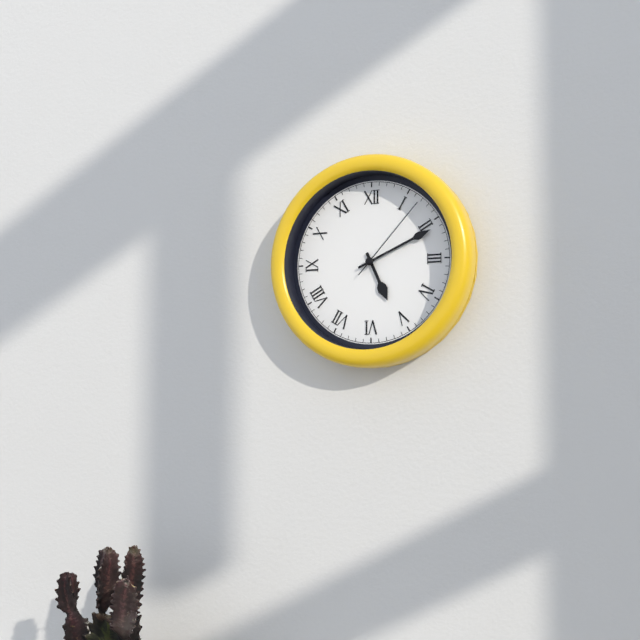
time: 5:11:07
